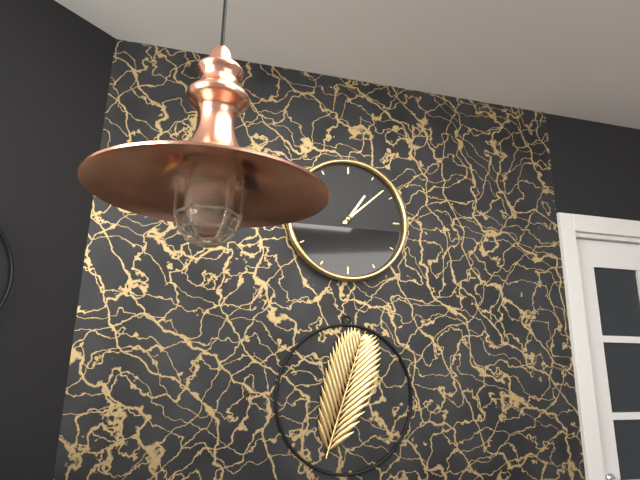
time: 1:08
